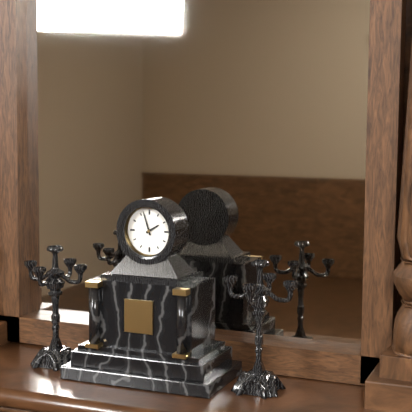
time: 1:57
